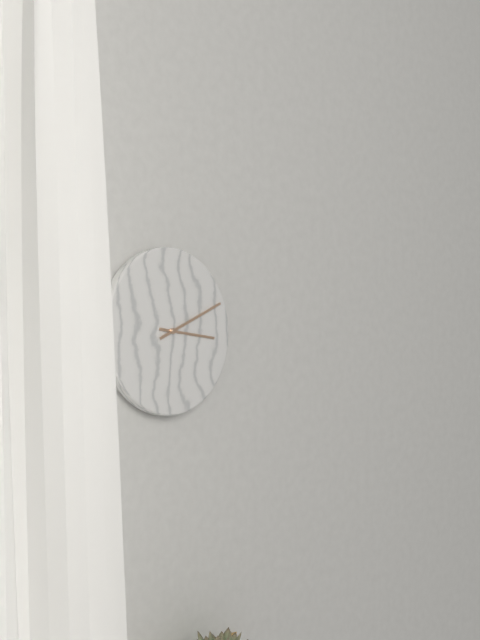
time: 3:11
